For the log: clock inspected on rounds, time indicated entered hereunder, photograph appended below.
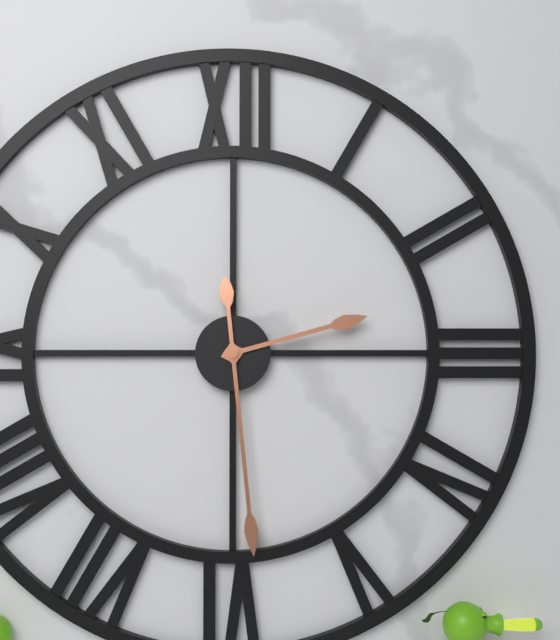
2:29
